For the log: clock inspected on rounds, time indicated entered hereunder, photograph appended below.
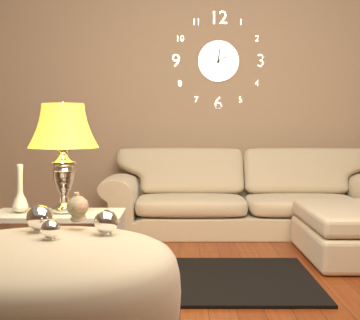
12:10
